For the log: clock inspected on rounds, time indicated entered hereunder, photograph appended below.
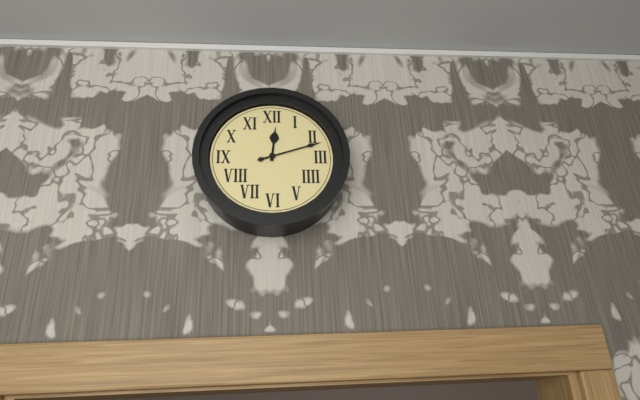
12:12
